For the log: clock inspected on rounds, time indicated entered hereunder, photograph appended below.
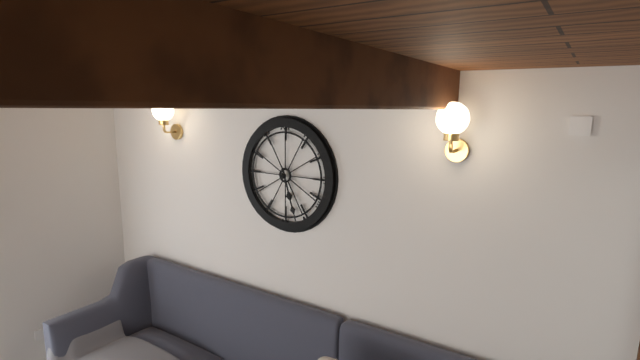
5:27
